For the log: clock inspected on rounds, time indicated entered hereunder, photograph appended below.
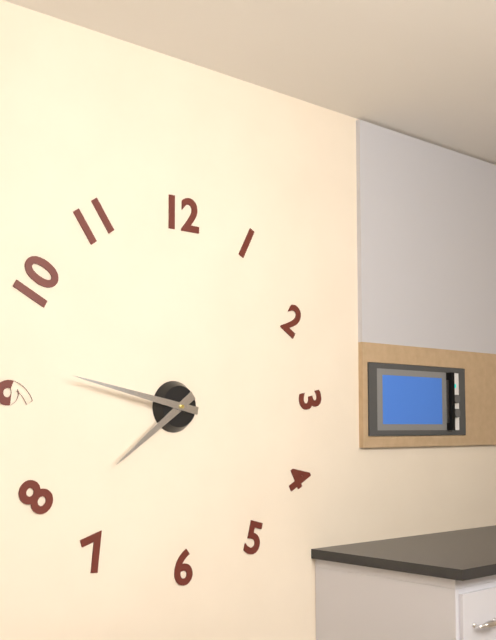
7:47
